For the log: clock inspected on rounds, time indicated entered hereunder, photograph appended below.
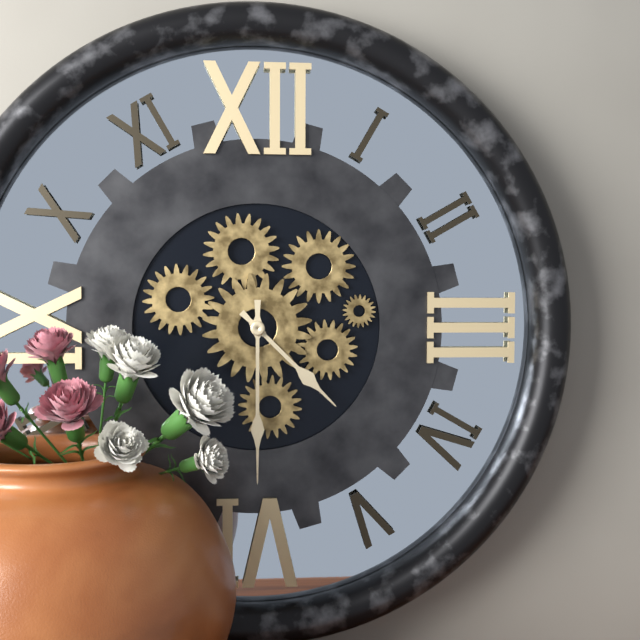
4:30
